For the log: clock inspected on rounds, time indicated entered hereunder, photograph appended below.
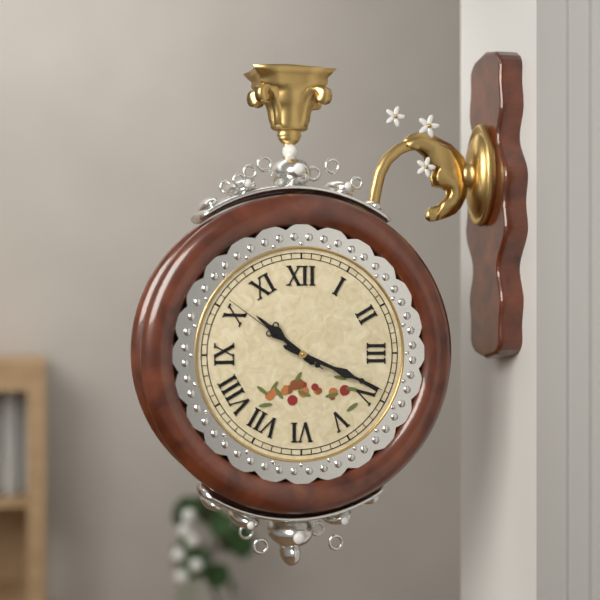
10:19:51
